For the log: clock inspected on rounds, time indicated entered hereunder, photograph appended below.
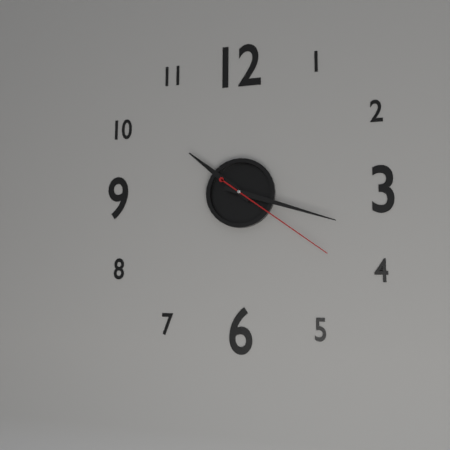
10:18:21
